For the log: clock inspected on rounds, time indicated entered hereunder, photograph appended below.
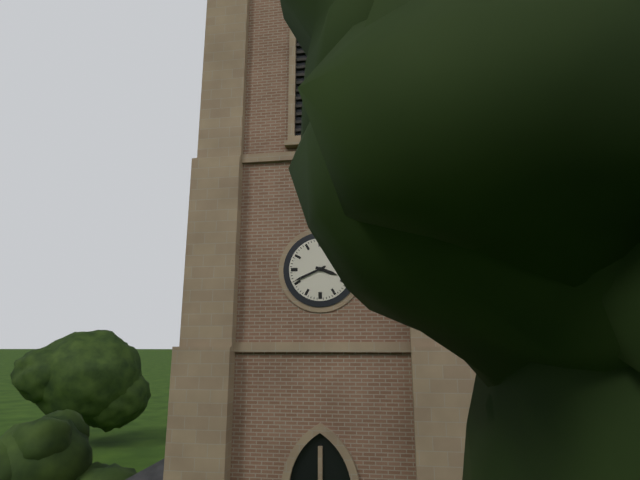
3:41
